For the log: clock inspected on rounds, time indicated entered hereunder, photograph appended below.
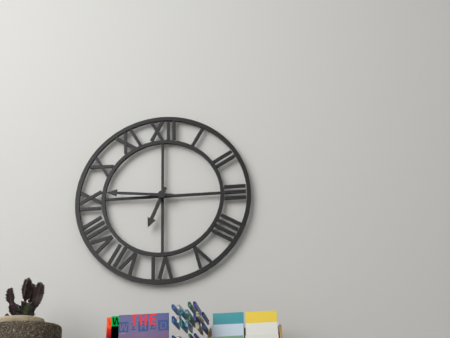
6:46
